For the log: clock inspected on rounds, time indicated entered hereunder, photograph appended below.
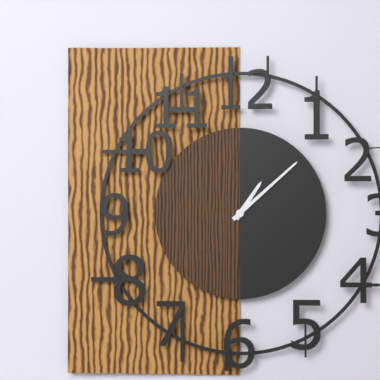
1:08
